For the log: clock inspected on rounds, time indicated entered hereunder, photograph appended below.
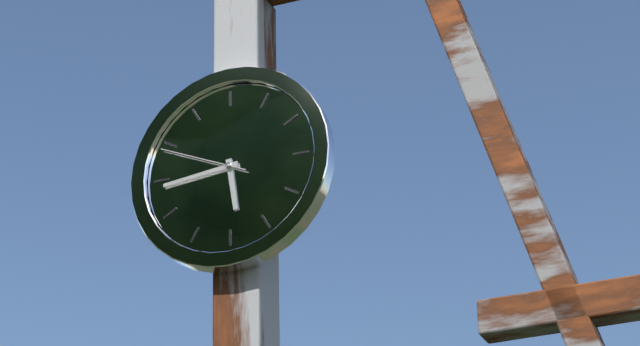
5:44:49
